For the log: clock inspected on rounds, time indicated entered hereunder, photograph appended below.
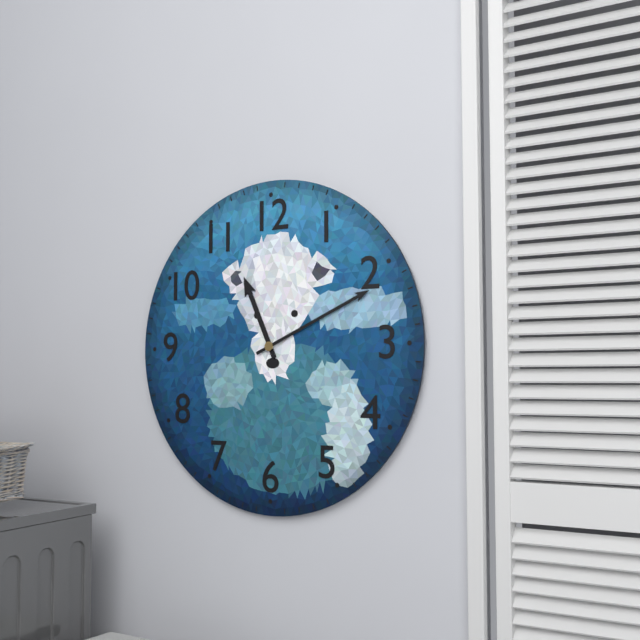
11:11
